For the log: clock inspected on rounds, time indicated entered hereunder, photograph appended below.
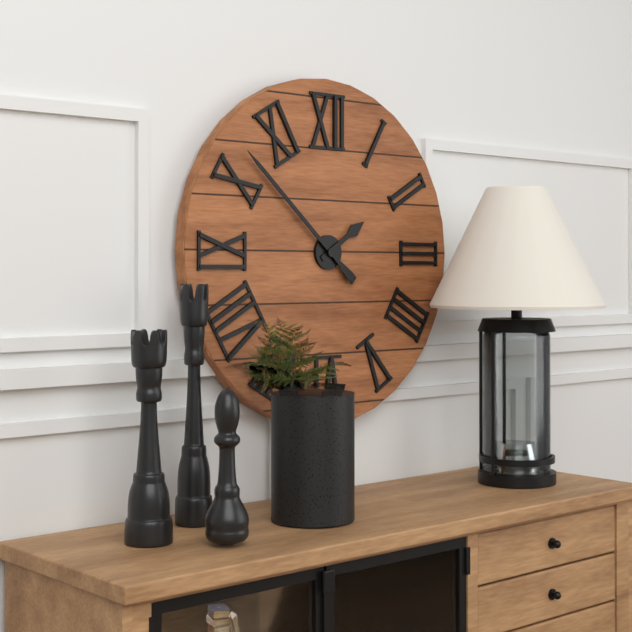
1:52
